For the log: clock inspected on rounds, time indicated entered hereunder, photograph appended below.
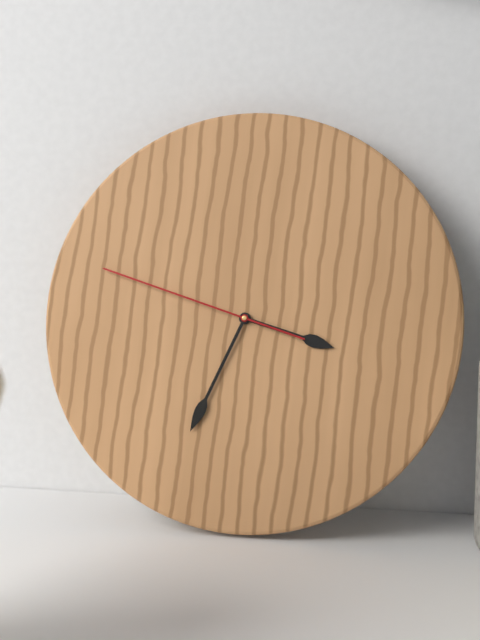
3:34:48
